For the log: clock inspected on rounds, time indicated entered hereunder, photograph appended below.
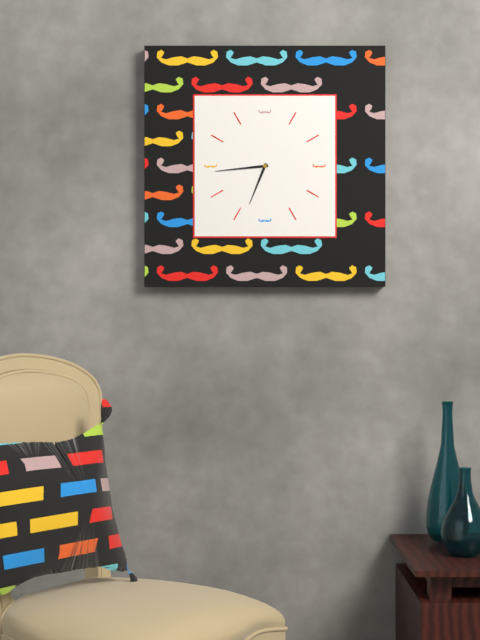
6:44
